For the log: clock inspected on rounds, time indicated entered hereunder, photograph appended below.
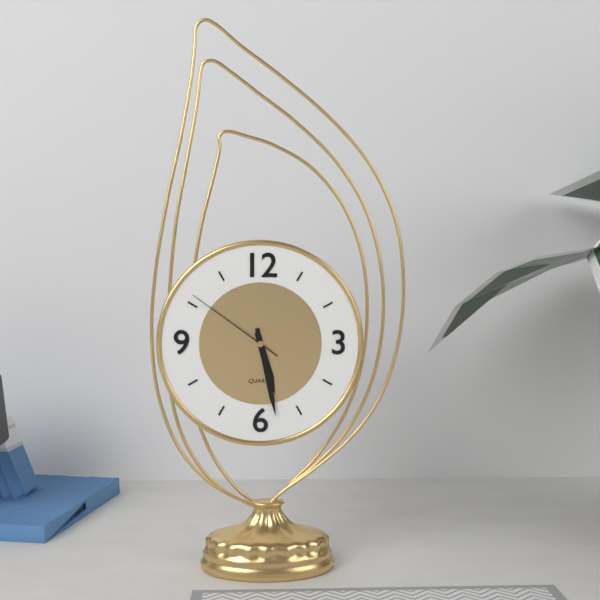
5:28:51
